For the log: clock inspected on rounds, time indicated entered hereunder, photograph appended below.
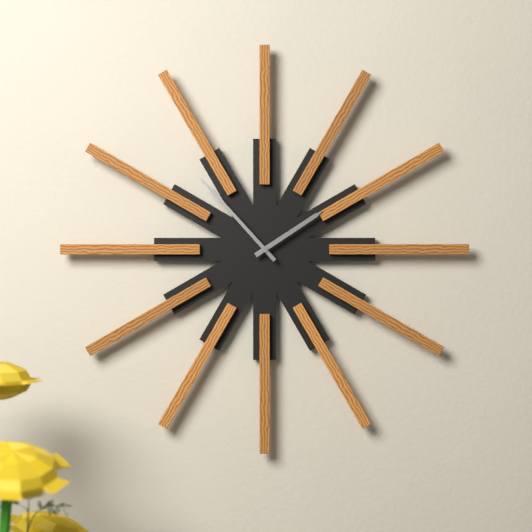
1:53
